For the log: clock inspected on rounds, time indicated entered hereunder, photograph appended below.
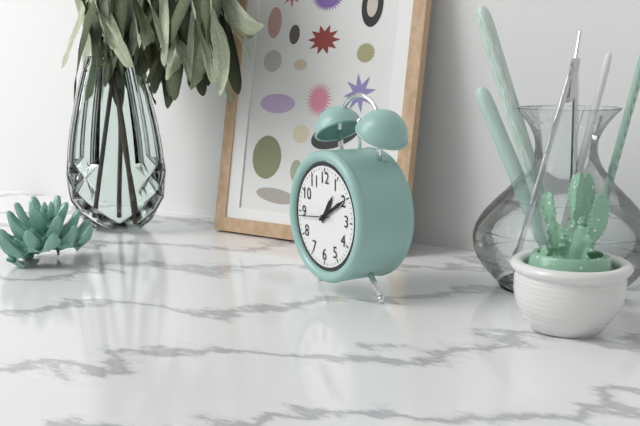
1:10
